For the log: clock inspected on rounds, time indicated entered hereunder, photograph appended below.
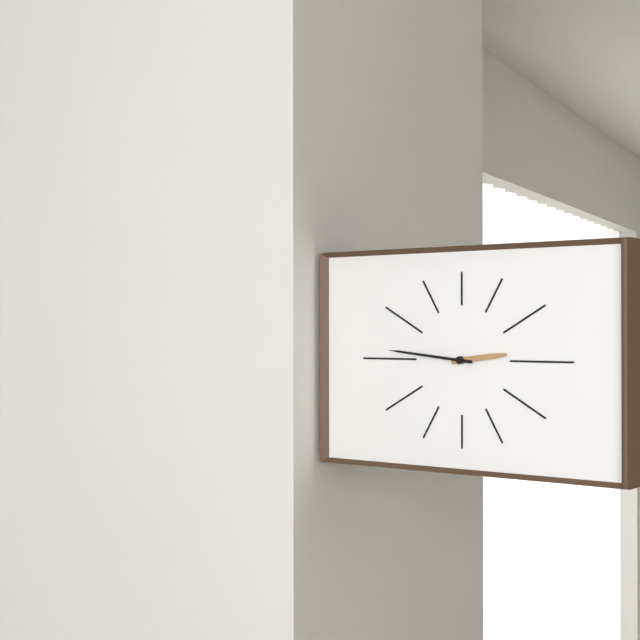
2:46
